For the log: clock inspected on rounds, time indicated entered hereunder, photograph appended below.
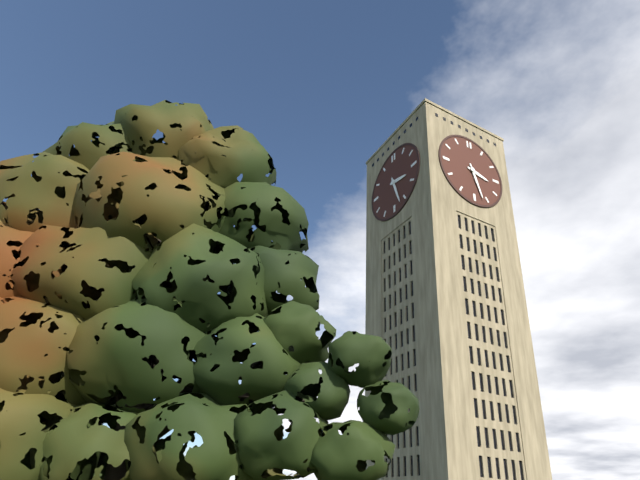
3:27
